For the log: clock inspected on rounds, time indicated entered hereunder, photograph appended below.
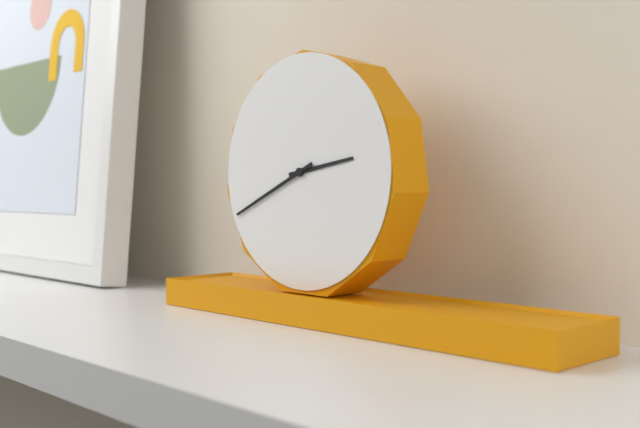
2:41
